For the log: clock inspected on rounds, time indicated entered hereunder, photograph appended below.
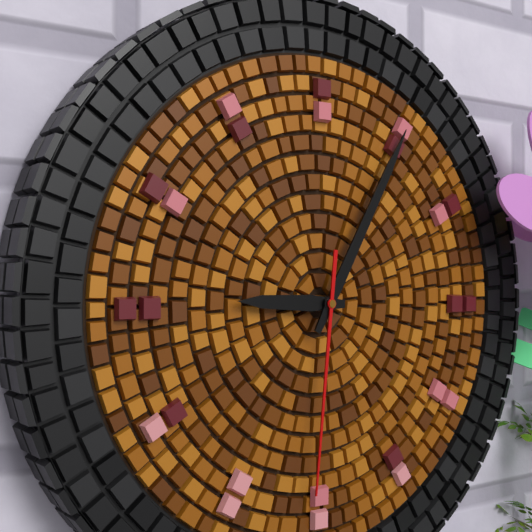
9:05:31
